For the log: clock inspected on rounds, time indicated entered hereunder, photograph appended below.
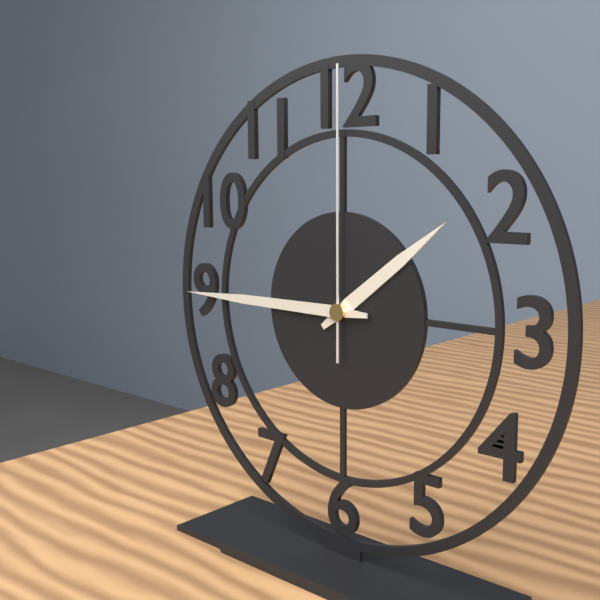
1:45:00
